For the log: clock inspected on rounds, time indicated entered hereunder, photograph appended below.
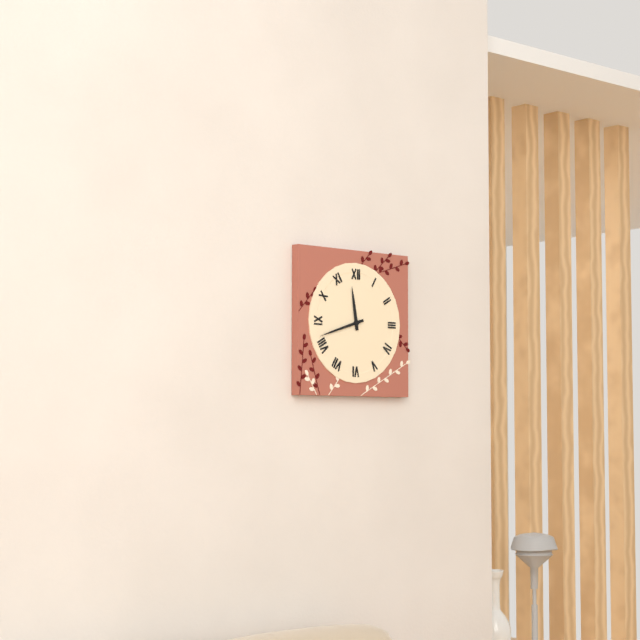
11:42
